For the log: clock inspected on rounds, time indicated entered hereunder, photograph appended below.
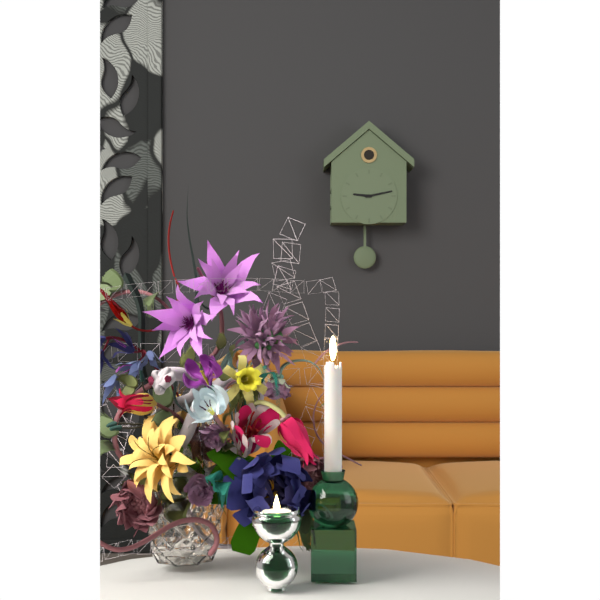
9:13
